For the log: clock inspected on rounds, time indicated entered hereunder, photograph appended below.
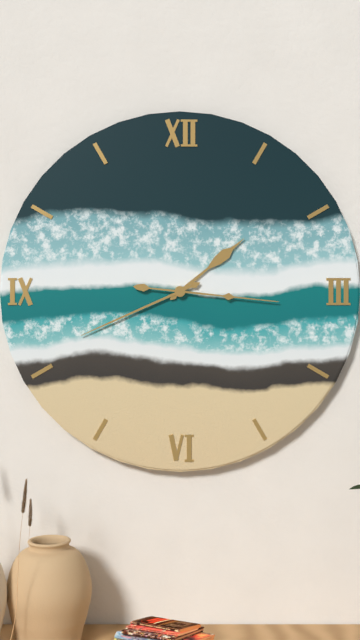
1:41:16
